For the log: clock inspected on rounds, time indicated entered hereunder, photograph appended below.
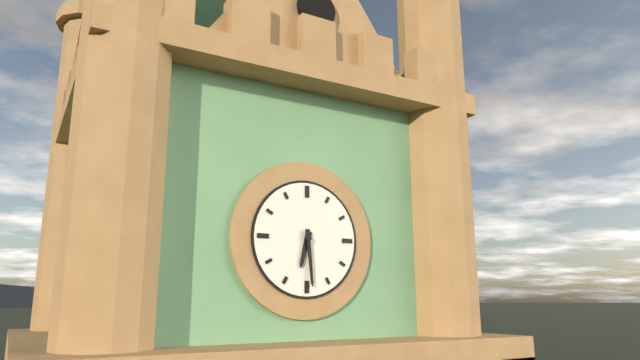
6:29
